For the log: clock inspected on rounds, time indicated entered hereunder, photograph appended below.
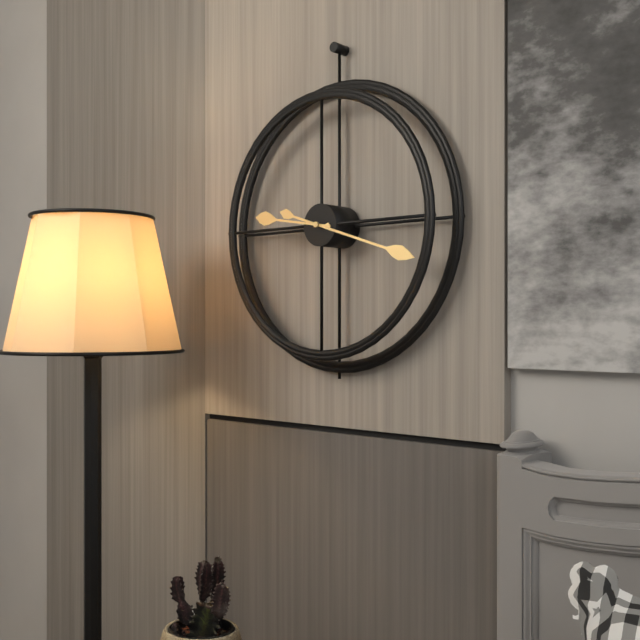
9:18
